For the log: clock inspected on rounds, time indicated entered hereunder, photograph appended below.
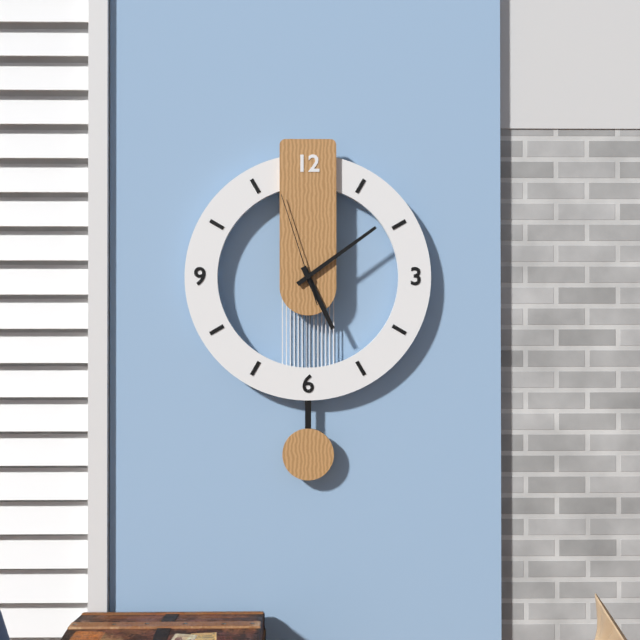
5:09:57
